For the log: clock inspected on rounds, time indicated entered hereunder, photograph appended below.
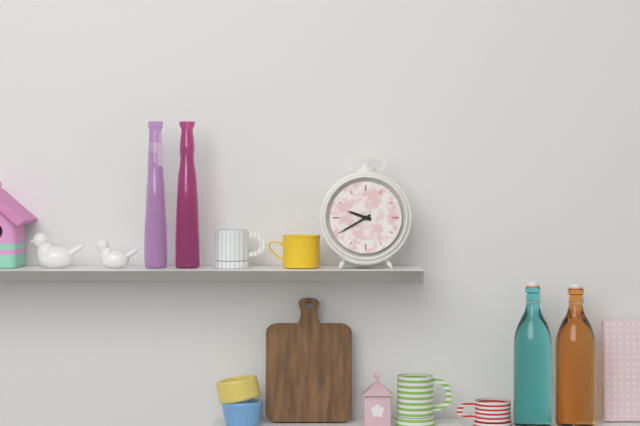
9:40
